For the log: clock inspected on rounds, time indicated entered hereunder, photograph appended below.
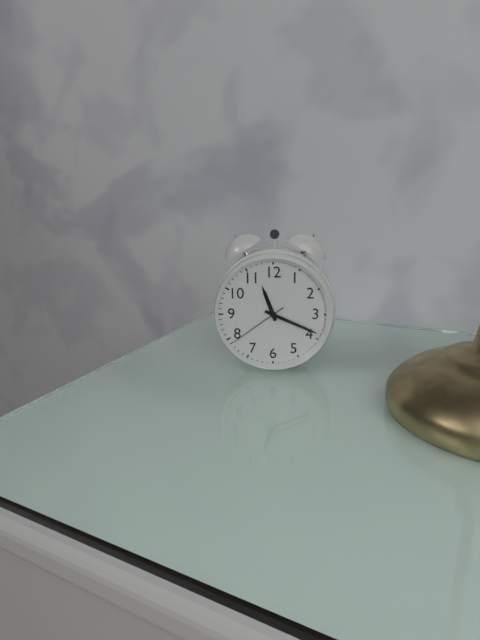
11:19:39
